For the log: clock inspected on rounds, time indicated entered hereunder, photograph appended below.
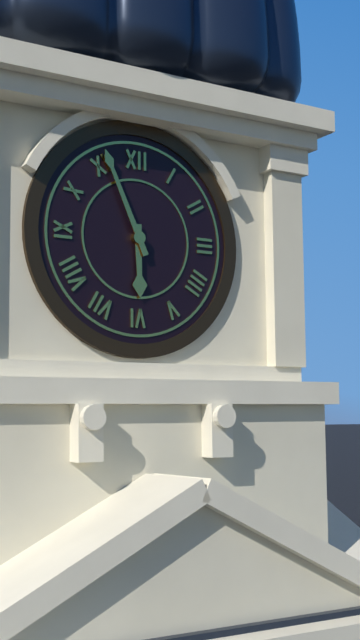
5:56
